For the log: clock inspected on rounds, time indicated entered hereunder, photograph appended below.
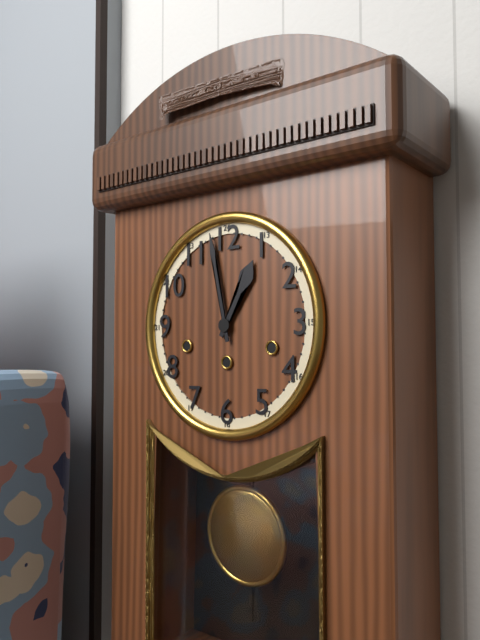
12:58
